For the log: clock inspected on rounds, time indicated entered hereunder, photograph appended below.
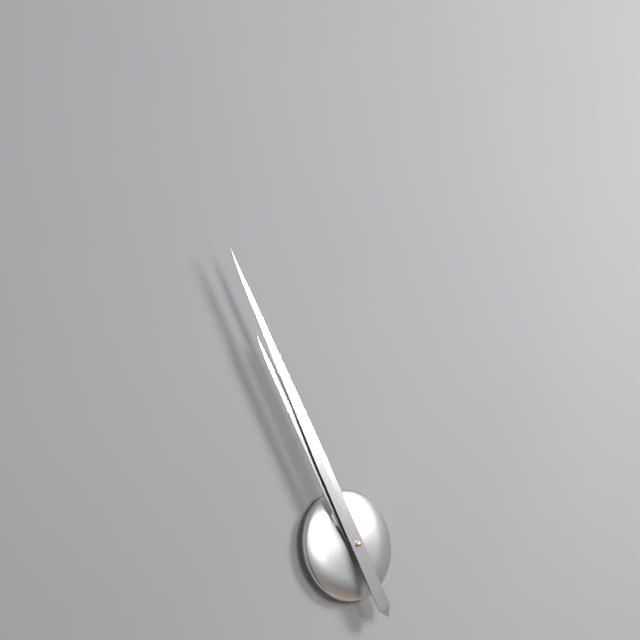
10:55
